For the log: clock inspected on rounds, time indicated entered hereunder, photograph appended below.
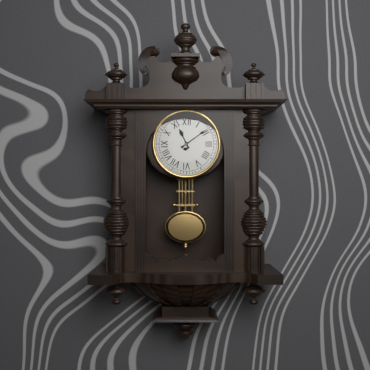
11:09
